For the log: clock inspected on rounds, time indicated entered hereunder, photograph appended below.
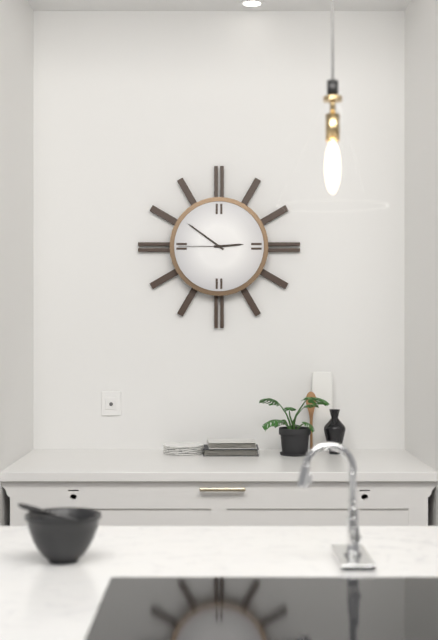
2:51:45
